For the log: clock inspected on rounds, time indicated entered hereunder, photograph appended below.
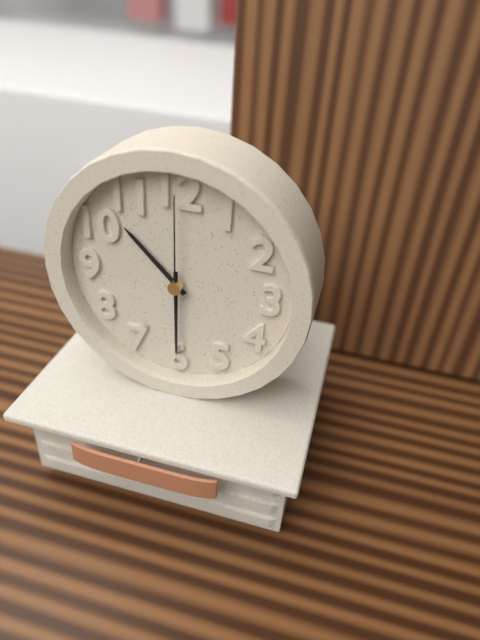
10:30:00
